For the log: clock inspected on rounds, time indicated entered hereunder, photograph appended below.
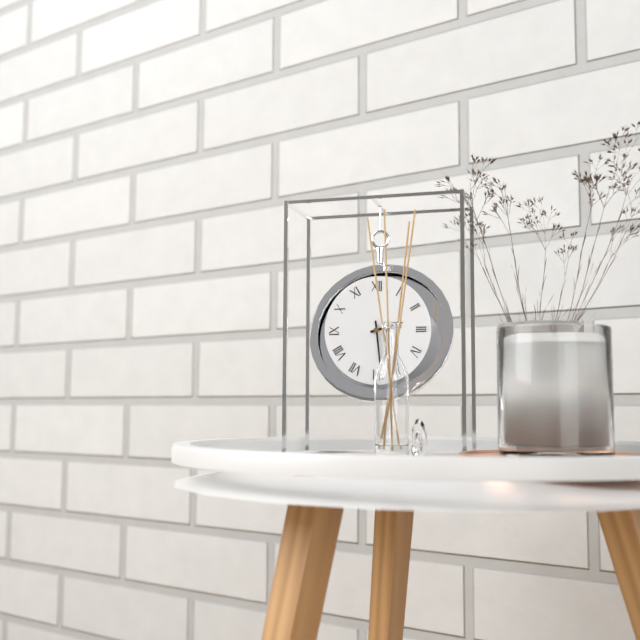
2:29
